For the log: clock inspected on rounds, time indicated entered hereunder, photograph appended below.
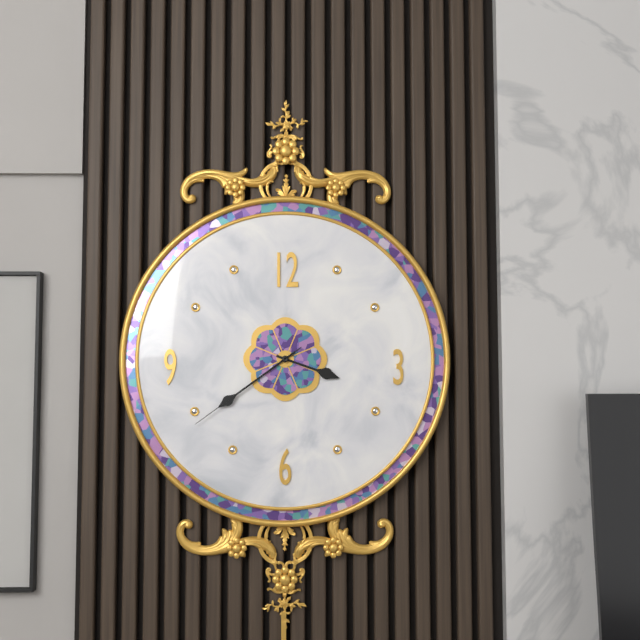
3:39:39
